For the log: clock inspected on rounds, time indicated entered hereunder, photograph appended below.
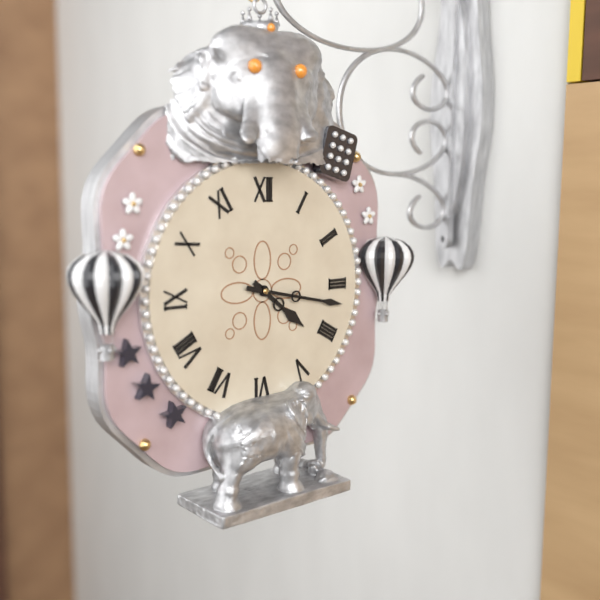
4:17
